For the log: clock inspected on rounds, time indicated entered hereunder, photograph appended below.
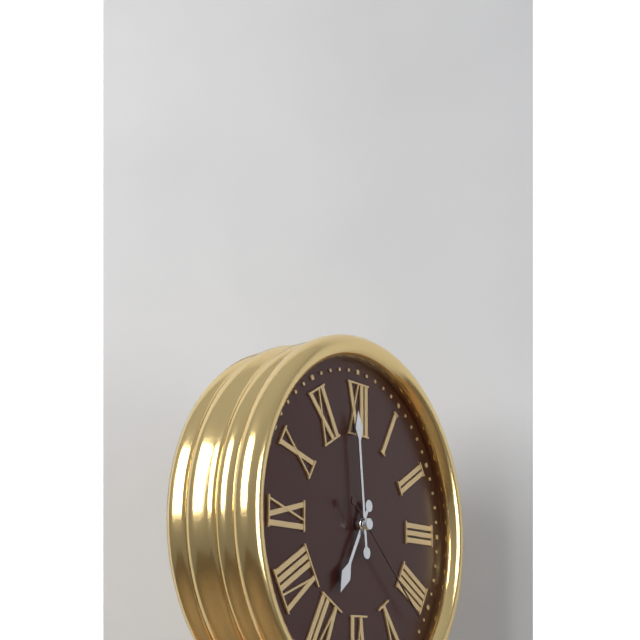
6:59:22
